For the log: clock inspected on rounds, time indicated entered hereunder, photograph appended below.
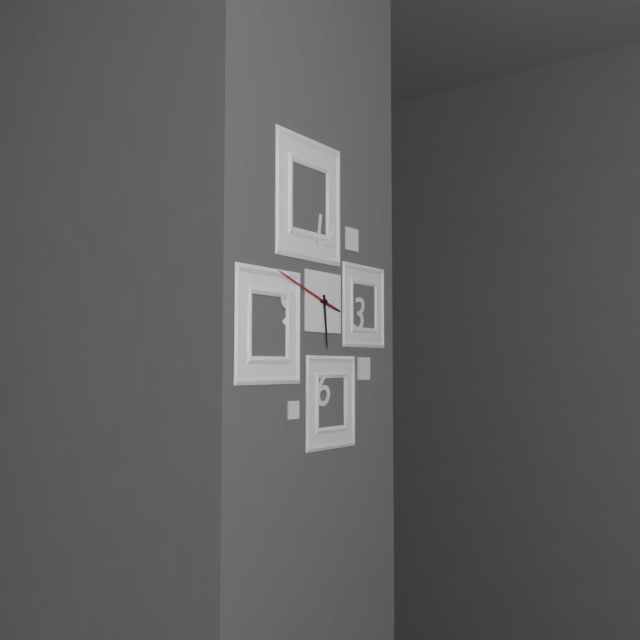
3:29:48
